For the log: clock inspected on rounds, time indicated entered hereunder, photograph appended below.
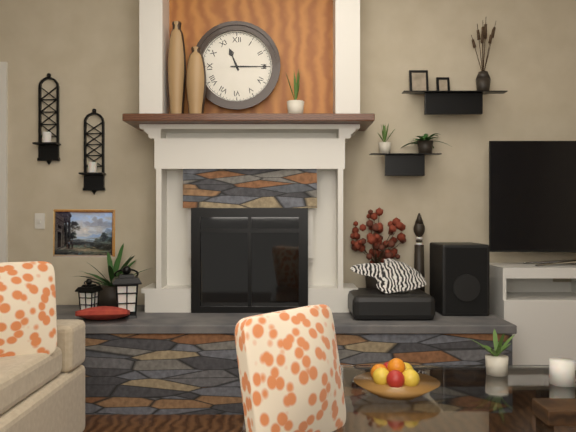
11:15
